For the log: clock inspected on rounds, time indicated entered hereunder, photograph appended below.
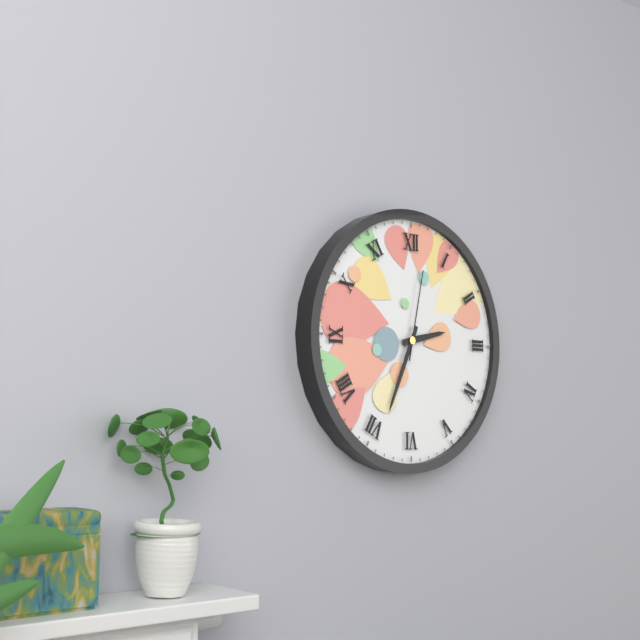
2:34:02
